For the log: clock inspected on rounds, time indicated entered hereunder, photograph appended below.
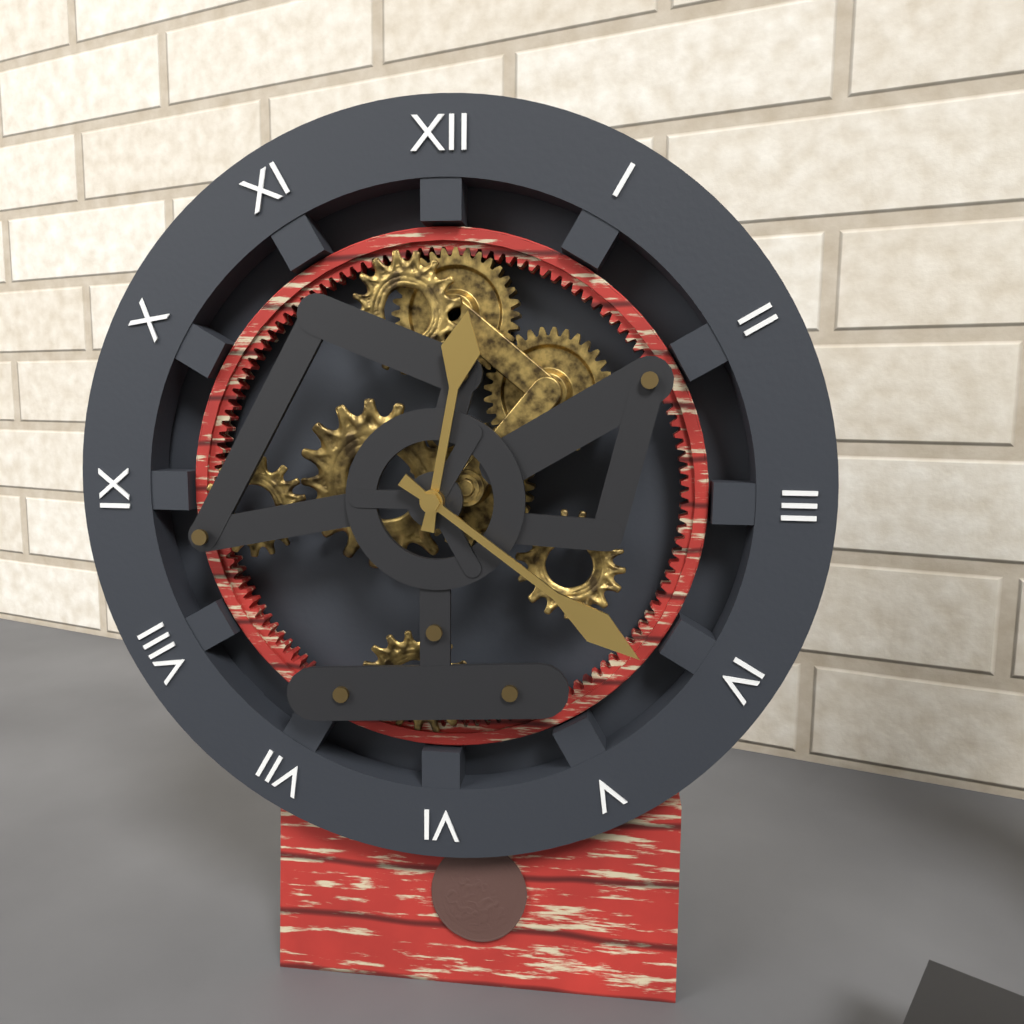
12:21
